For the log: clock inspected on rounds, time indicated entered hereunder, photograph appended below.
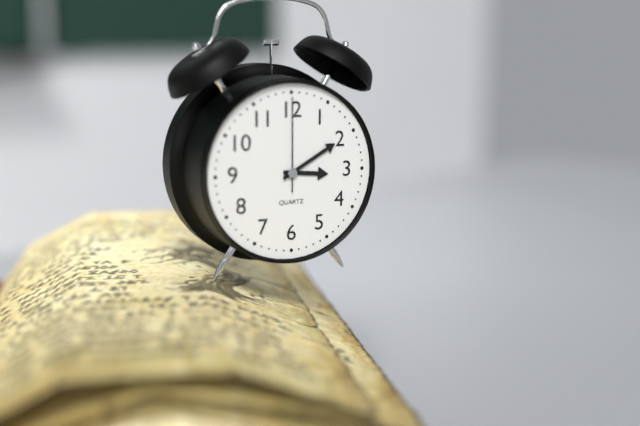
3:10:00
